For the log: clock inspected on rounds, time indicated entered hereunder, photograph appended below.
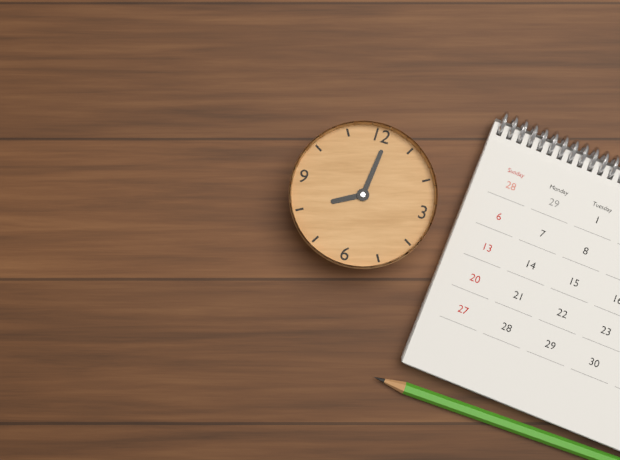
8:01
